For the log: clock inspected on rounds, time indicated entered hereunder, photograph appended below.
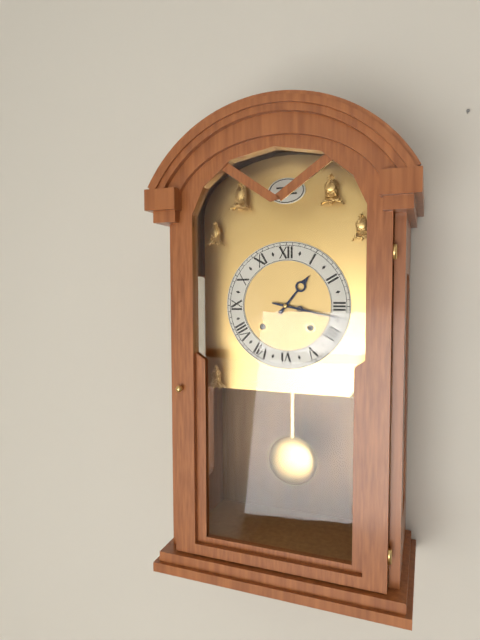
1:17
